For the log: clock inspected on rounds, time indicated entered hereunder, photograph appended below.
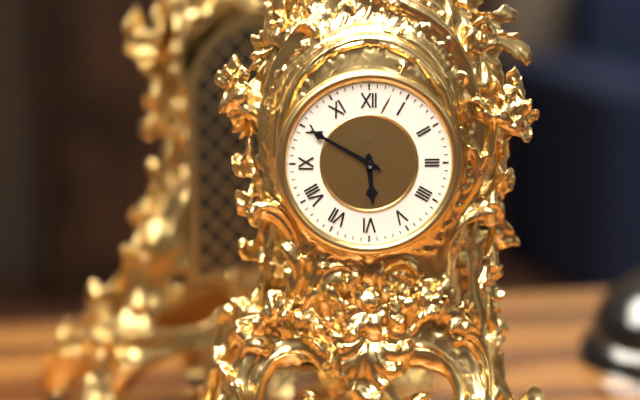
5:50
